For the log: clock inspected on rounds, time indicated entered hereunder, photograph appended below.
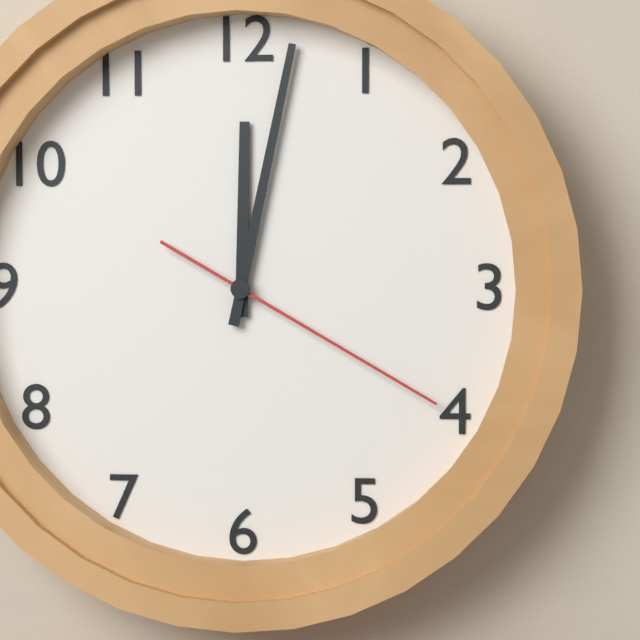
12:02:20
